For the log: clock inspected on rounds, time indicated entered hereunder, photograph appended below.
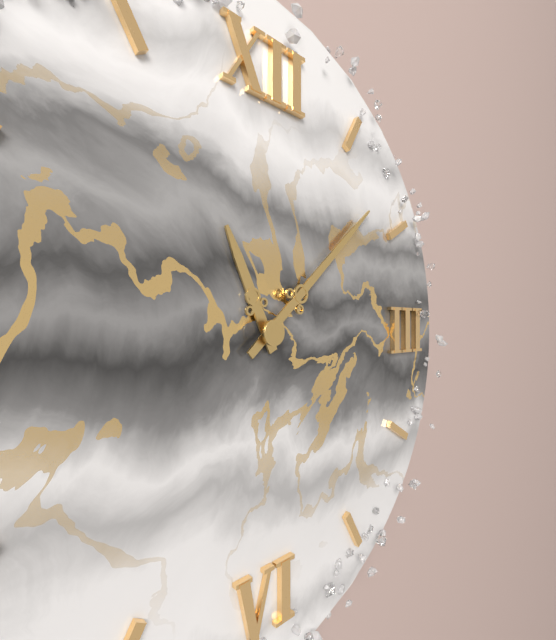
11:08
